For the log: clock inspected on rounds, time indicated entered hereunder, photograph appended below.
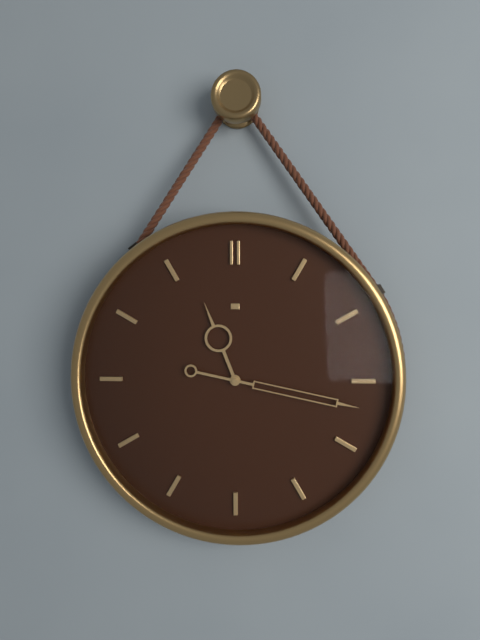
11:17
